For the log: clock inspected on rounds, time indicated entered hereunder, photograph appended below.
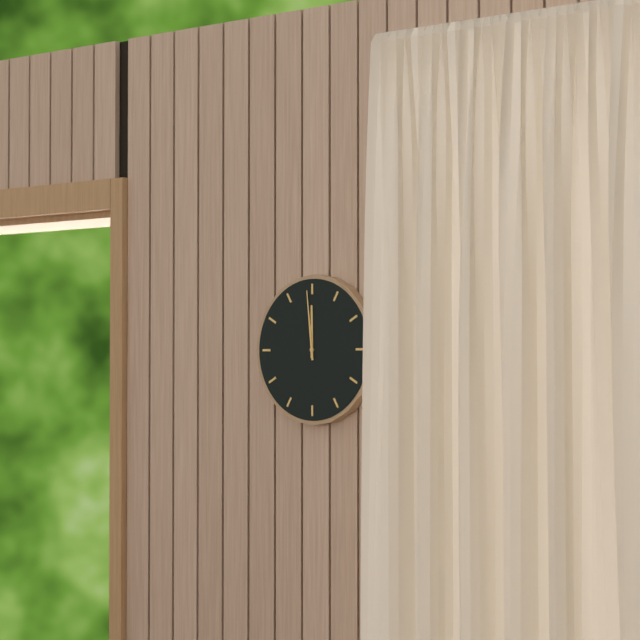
11:59
